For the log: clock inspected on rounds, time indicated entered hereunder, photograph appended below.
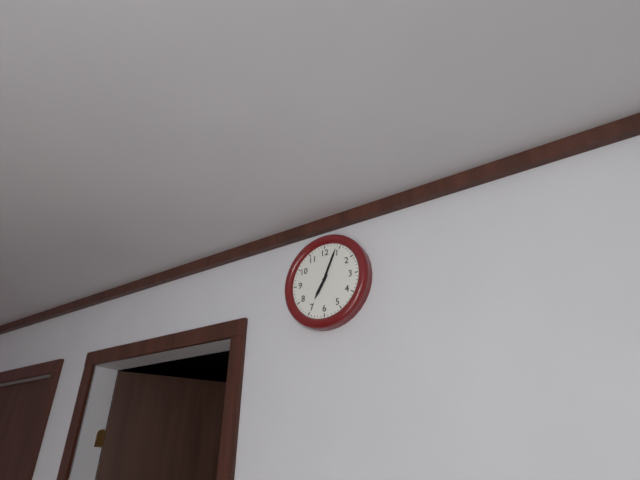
7:04
